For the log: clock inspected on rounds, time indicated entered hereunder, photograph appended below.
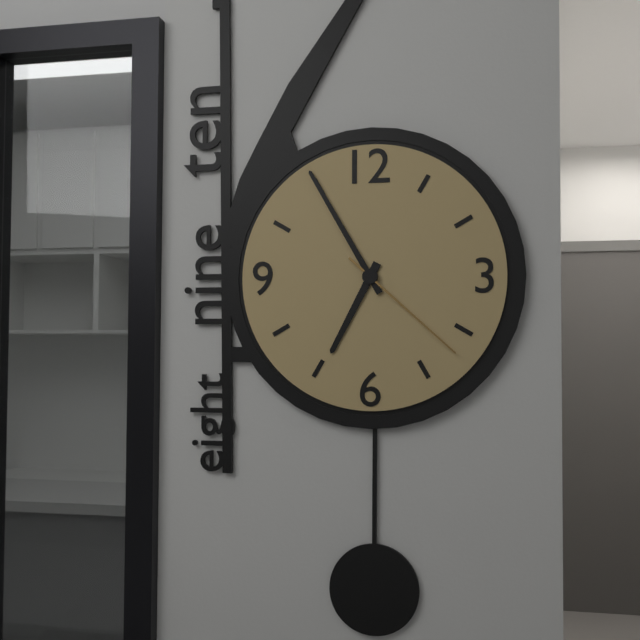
6:55:22
